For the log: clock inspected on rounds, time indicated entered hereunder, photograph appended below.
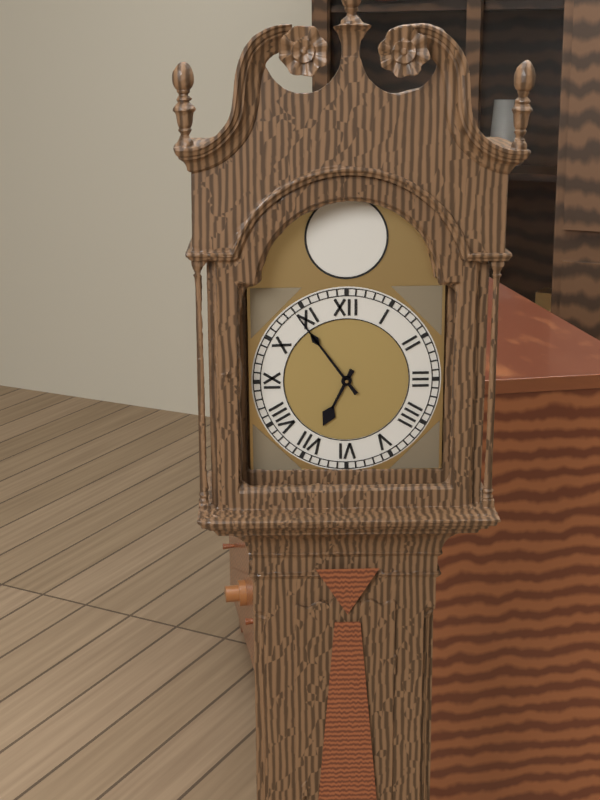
6:54
